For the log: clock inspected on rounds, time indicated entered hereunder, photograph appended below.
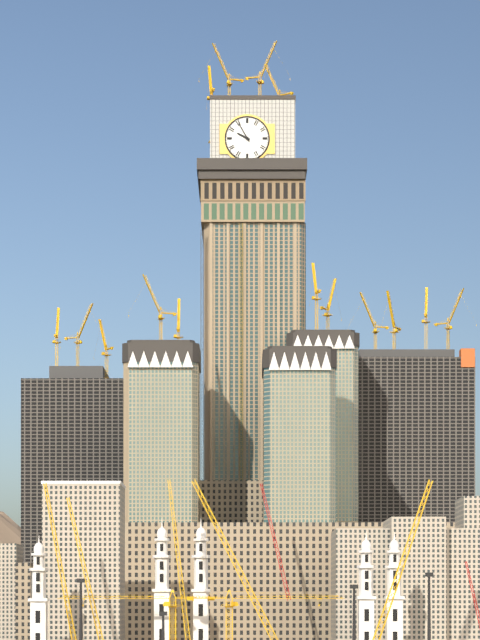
9:55
